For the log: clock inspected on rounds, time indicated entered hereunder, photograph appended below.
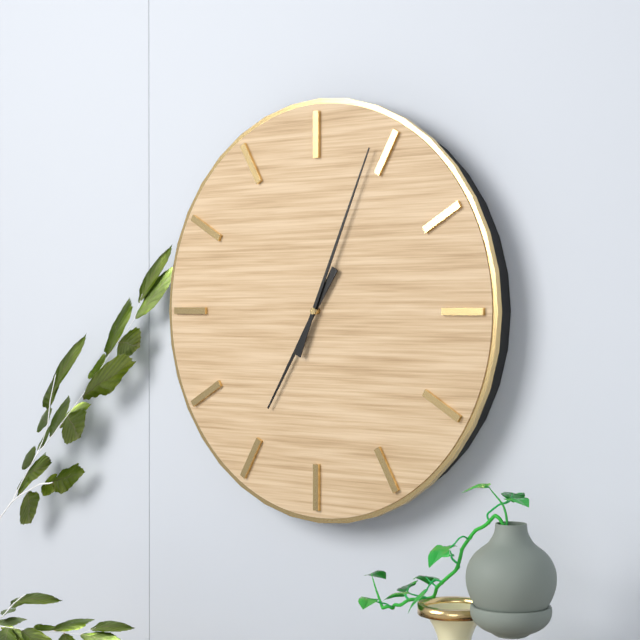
7:04
